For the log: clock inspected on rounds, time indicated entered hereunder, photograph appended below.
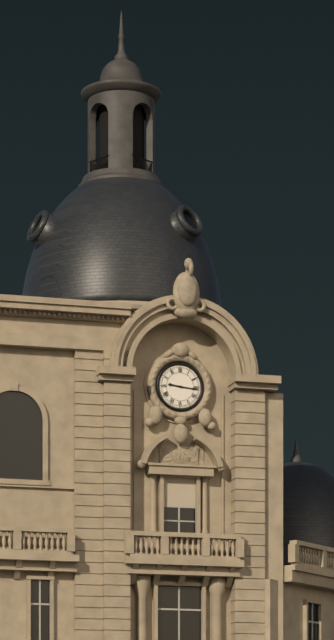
9:16
